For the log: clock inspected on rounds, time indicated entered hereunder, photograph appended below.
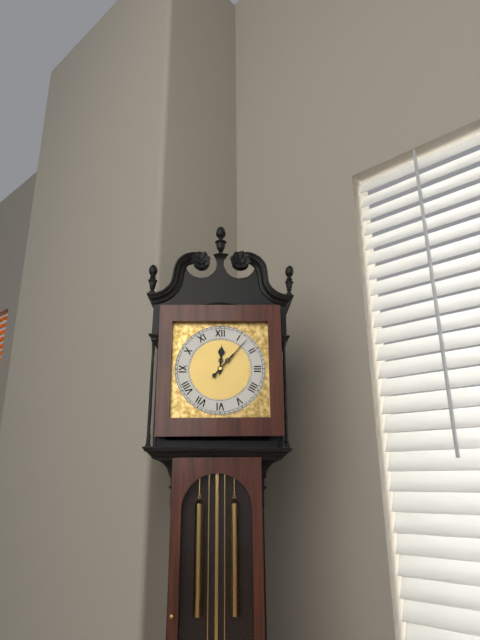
12:07
